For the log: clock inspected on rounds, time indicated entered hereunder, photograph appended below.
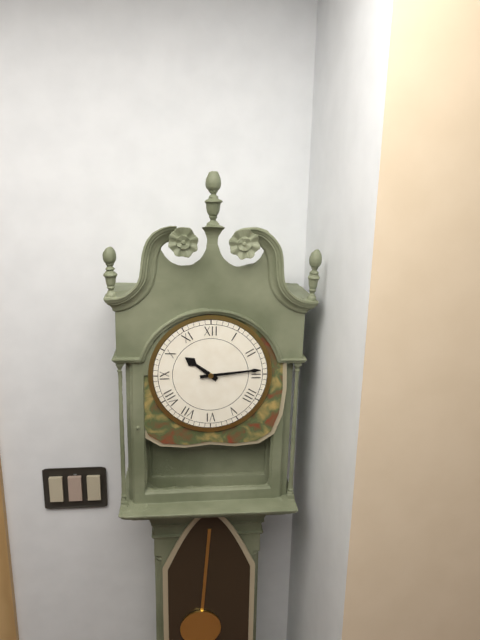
10:14
